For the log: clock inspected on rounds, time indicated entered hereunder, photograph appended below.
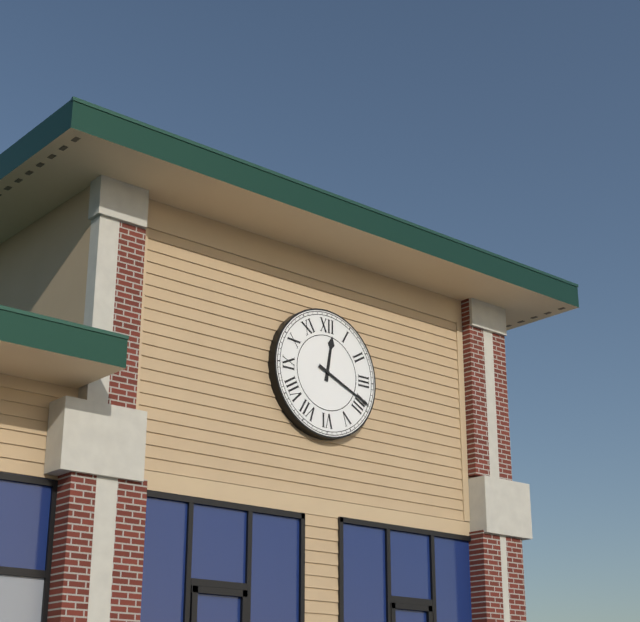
12:19
